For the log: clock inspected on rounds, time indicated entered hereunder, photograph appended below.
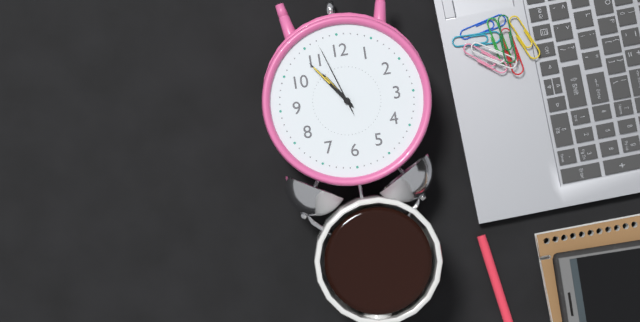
10:54:57
